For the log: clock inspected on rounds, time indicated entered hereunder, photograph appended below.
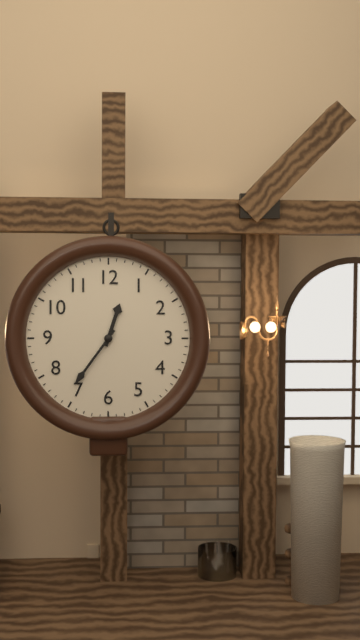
12:36
